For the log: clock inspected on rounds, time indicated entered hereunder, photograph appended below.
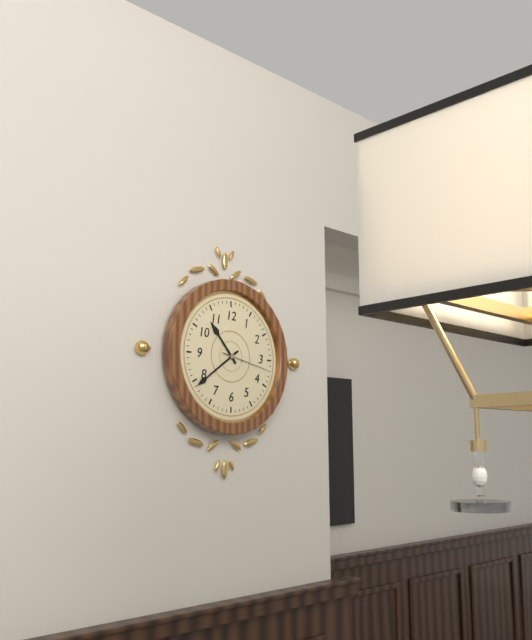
10:39
